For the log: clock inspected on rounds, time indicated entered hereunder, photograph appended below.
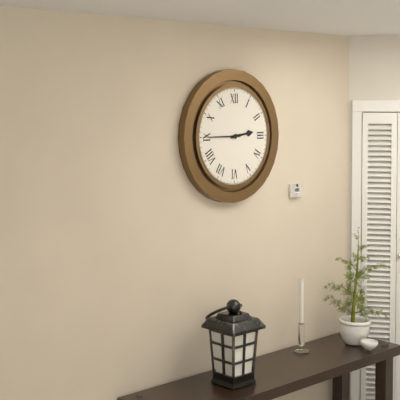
2:45
